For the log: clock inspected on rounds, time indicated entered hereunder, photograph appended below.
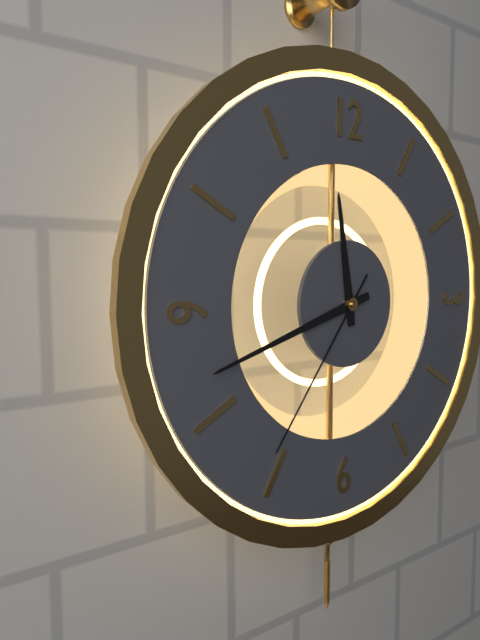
11:42:36
